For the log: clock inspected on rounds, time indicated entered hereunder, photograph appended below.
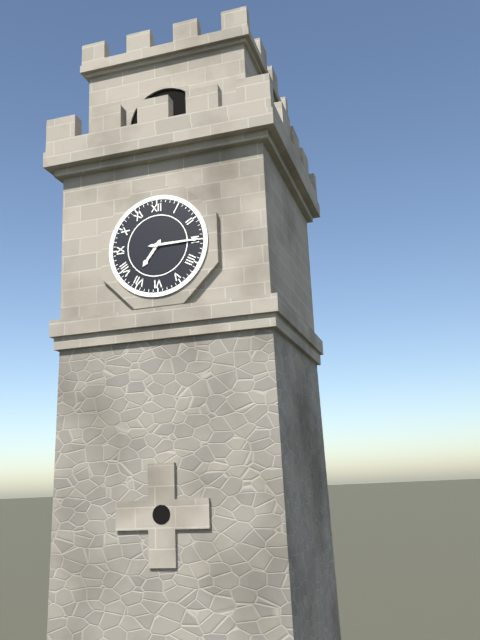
7:15
